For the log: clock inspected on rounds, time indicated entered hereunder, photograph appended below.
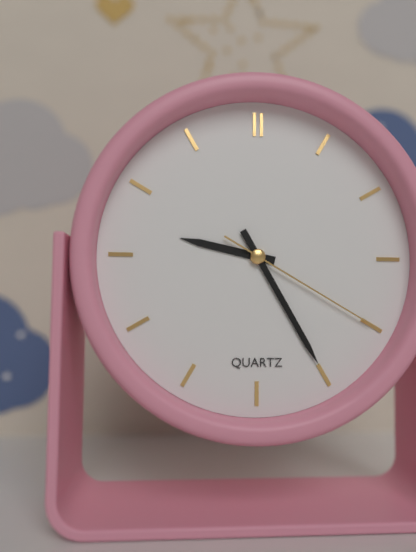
9:25:20
